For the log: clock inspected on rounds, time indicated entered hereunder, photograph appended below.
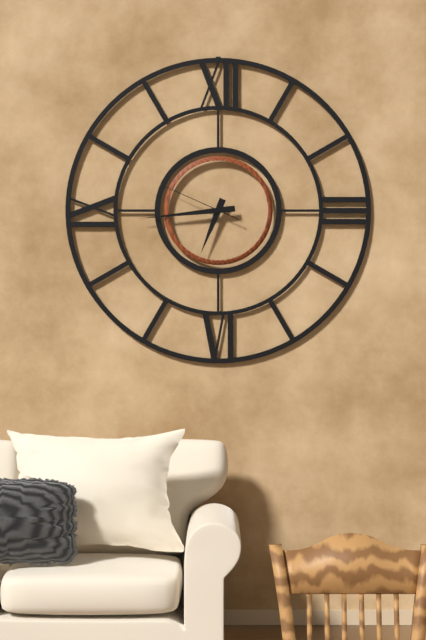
6:44:49
